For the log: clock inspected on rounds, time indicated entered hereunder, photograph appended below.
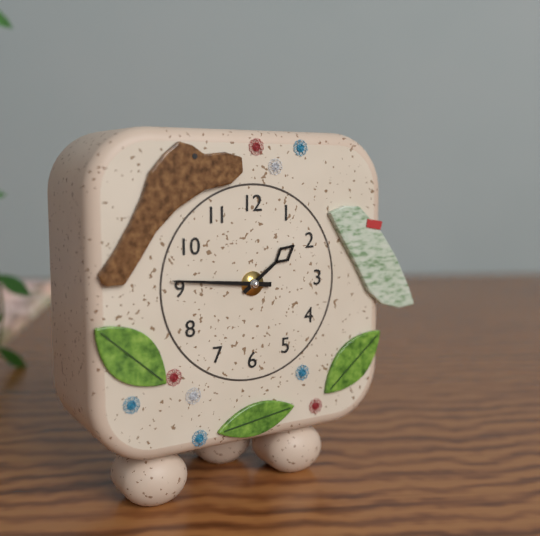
1:46
